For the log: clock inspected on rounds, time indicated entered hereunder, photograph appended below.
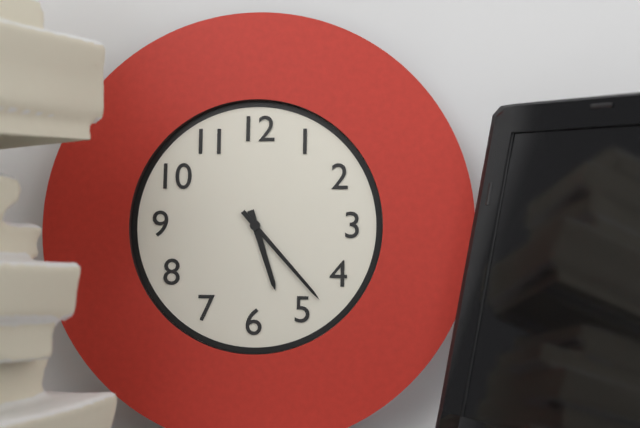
5:23
